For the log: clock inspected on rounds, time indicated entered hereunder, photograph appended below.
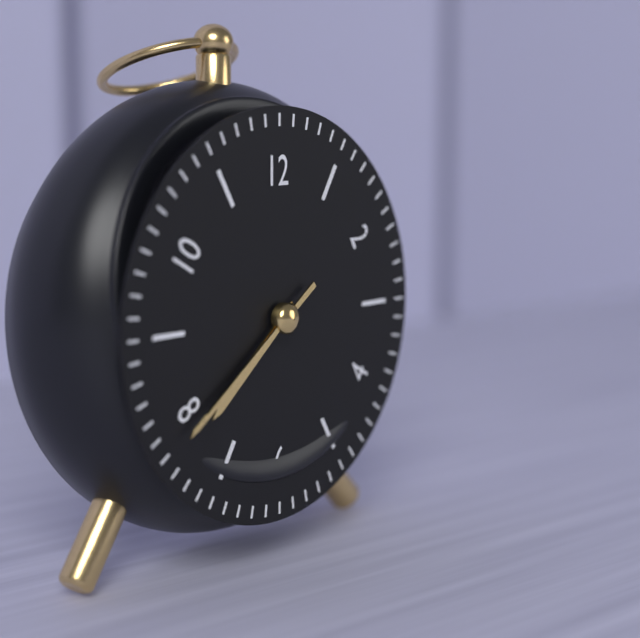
7:39
